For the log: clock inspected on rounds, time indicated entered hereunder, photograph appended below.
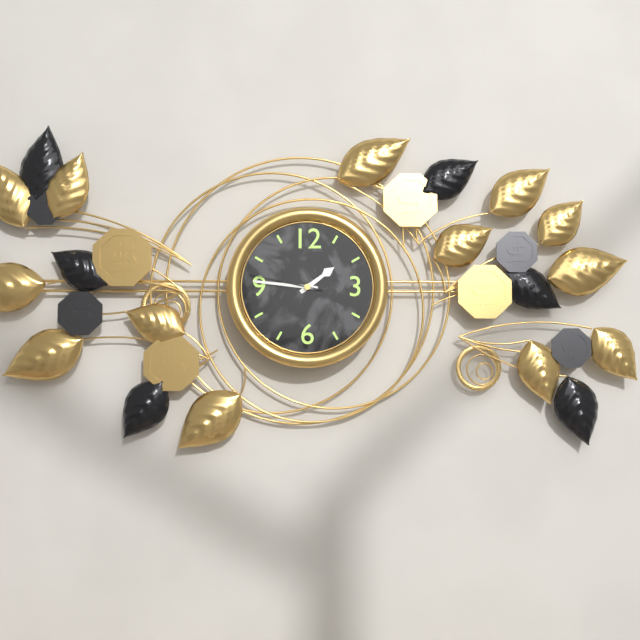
1:46:47
